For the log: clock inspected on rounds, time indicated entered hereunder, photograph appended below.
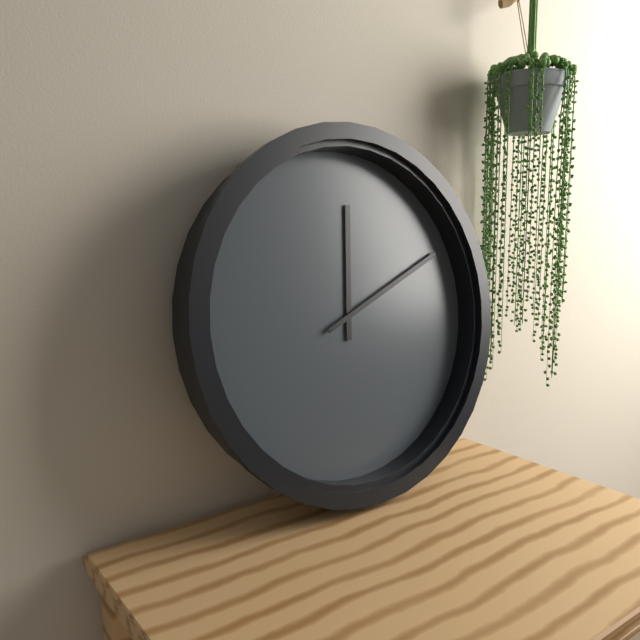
12:11
